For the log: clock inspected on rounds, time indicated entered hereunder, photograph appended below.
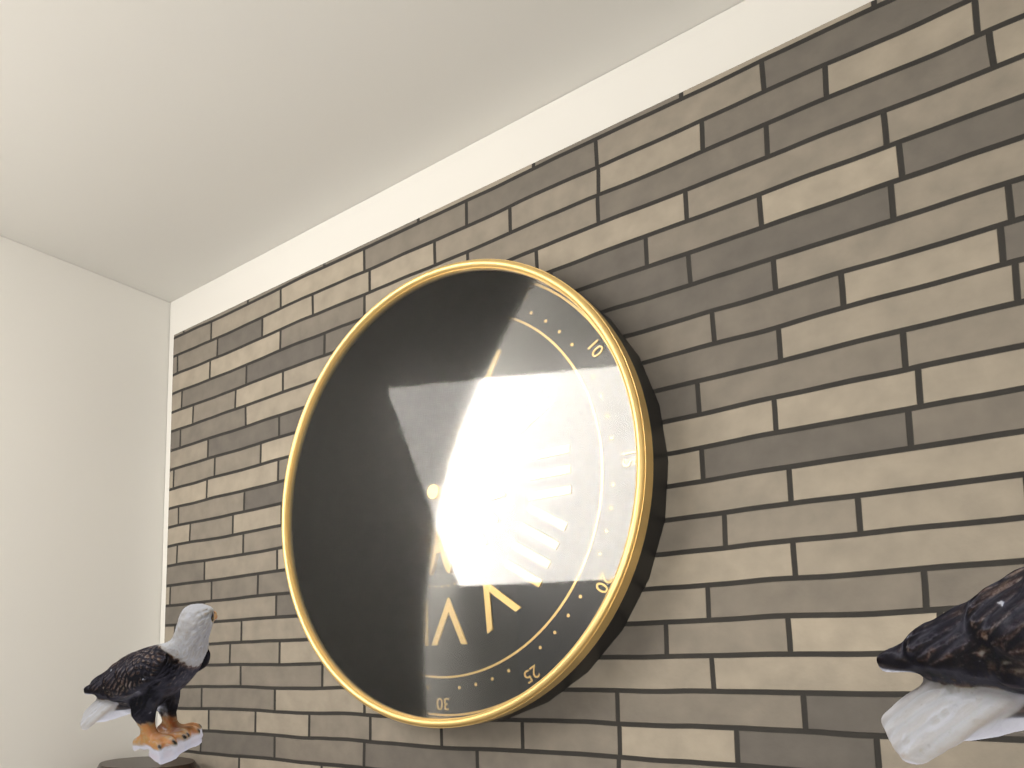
12:45
